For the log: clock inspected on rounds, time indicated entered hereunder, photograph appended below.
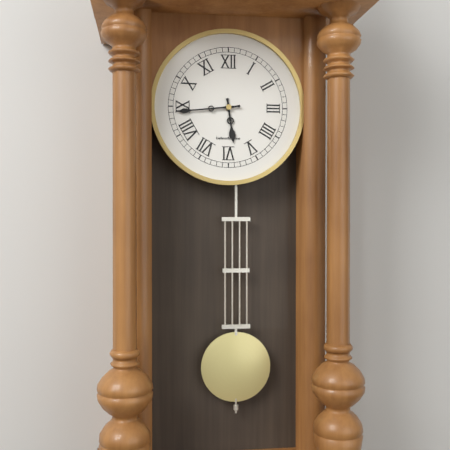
5:44
